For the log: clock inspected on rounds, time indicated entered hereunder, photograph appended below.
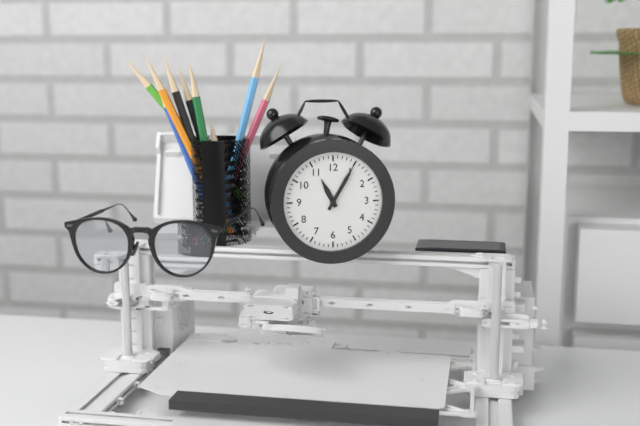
11:05
